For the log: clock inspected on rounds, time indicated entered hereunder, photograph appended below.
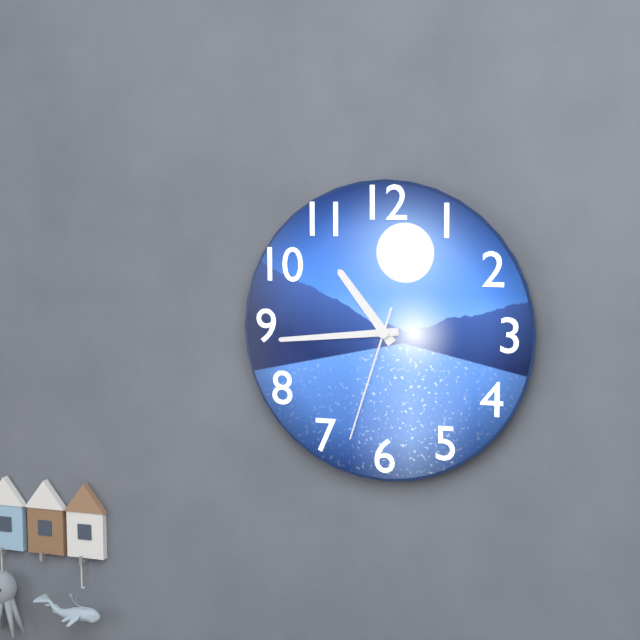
10:44:33
